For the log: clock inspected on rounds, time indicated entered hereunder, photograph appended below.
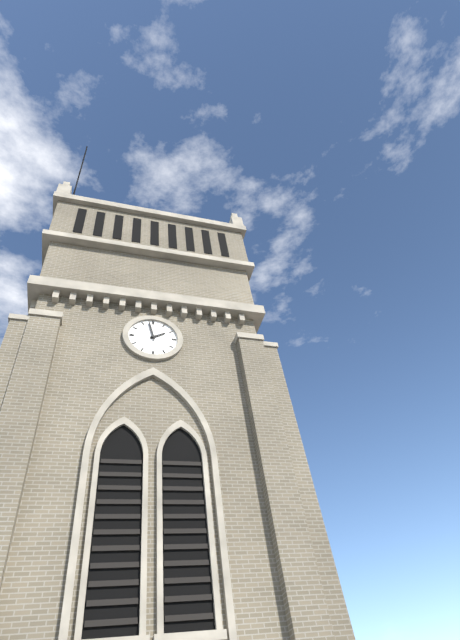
1:58
